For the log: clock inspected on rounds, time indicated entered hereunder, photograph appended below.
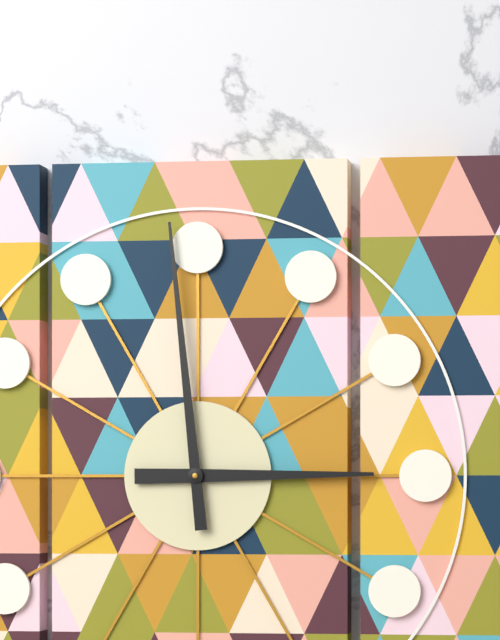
2:59
